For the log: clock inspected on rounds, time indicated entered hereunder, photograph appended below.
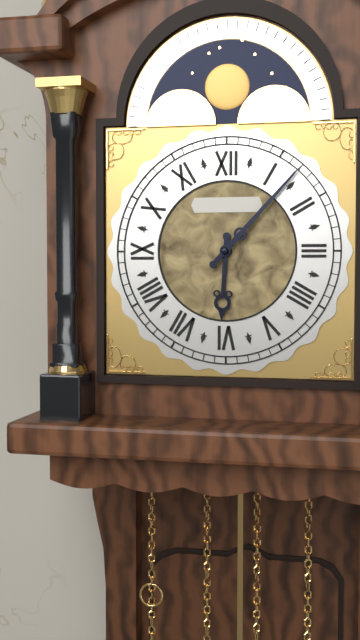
6:07
